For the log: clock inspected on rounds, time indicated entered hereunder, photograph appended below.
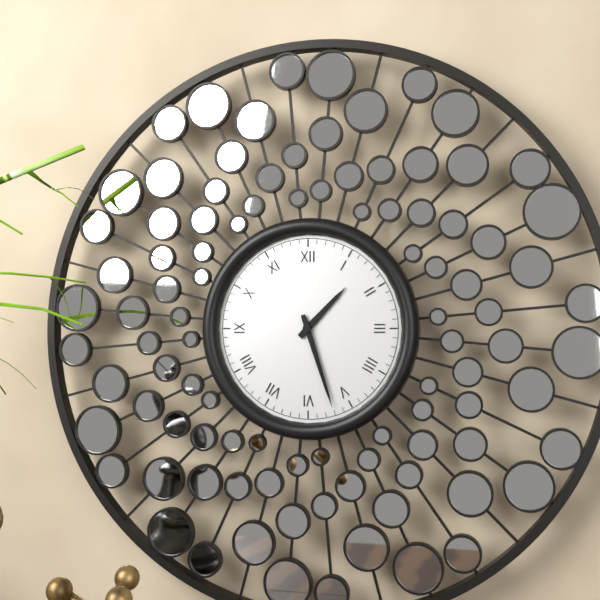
1:27
